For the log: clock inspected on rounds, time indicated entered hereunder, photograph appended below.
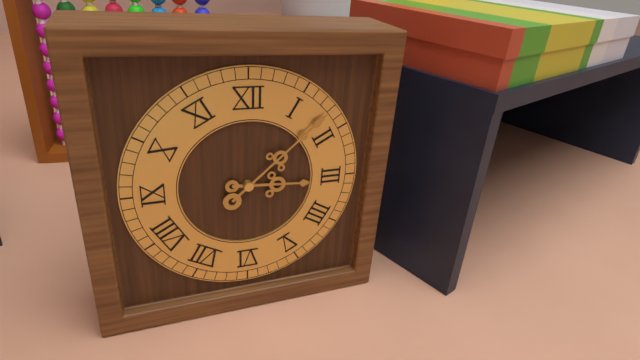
3:08
